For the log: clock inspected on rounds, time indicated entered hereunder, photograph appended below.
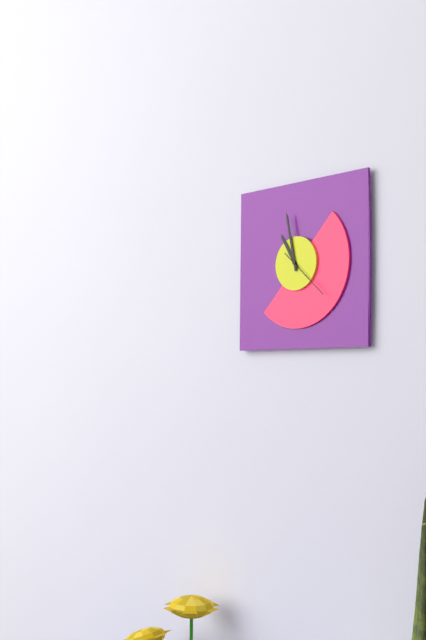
10:58:22
